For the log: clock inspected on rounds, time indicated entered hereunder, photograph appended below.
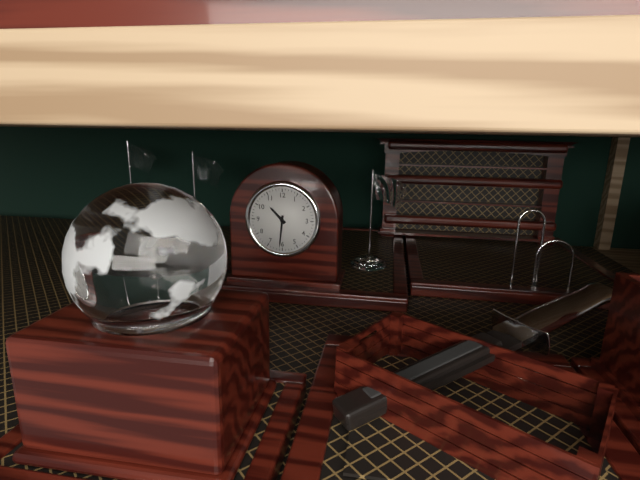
10:31
